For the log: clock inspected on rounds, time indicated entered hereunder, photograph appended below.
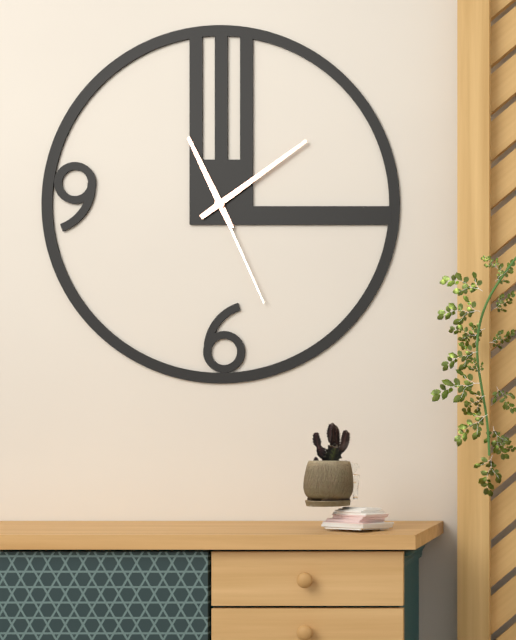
11:09:26
